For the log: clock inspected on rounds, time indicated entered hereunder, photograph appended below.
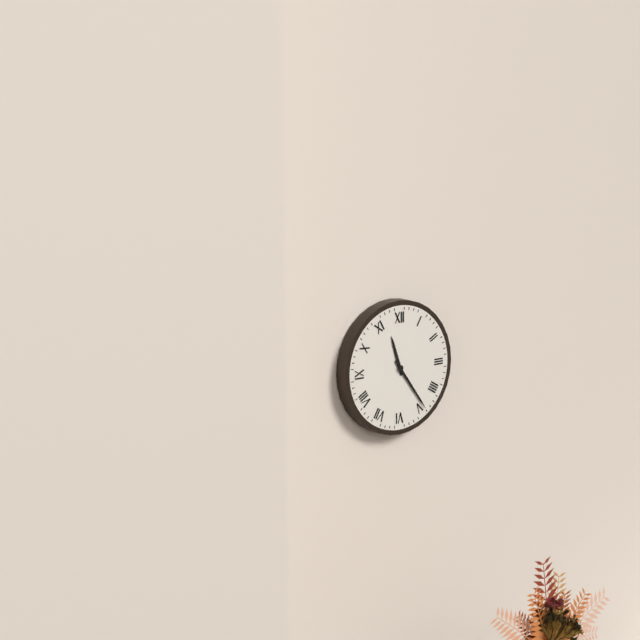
11:24
